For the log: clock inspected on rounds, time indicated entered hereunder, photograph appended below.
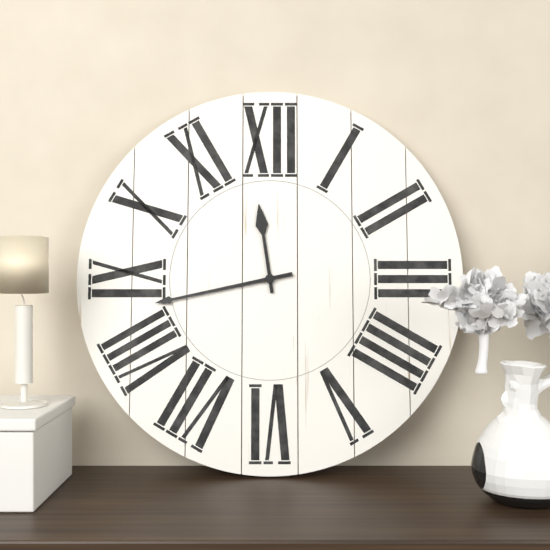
11:43
